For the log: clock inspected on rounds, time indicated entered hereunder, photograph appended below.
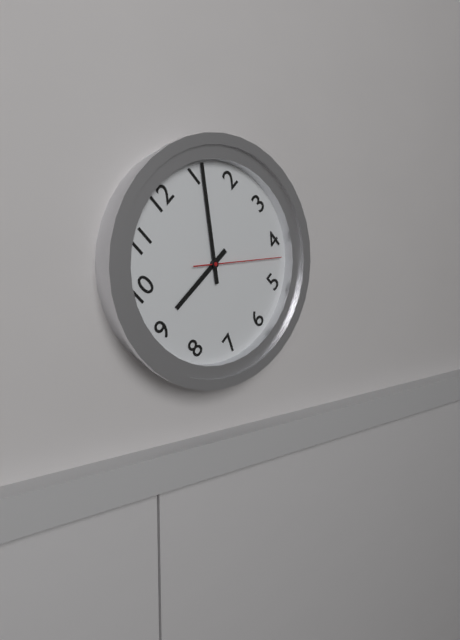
9:06:22
